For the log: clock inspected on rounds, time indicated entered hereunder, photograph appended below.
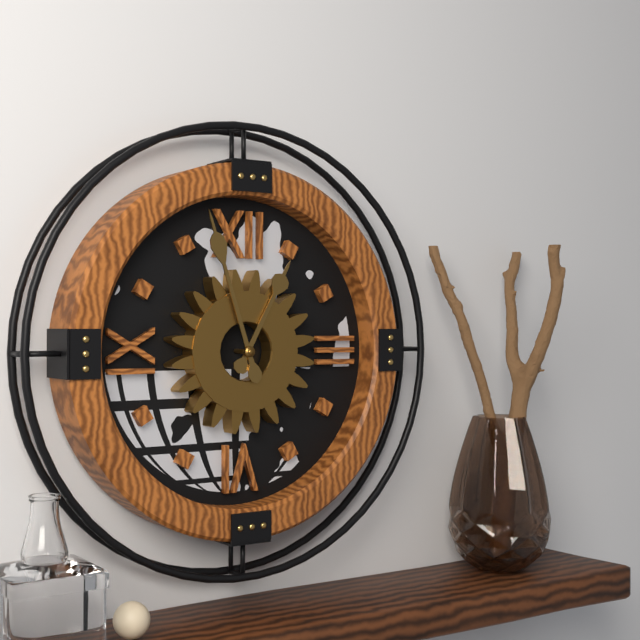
12:57
